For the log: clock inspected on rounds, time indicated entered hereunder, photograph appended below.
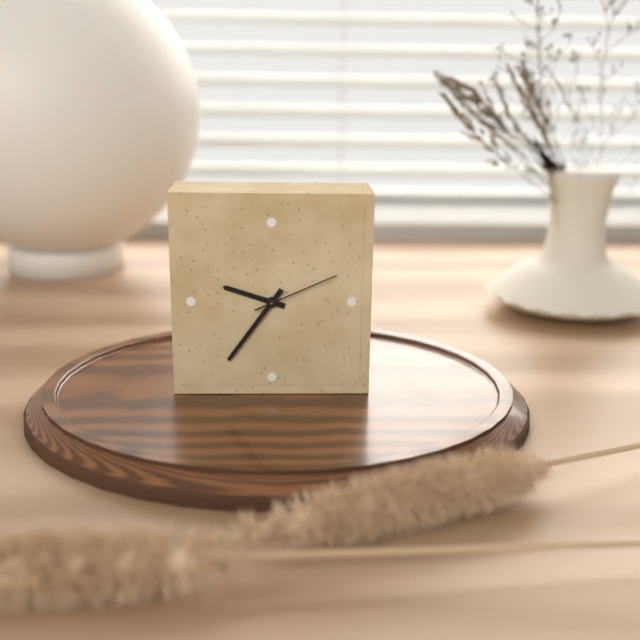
9:36:11
